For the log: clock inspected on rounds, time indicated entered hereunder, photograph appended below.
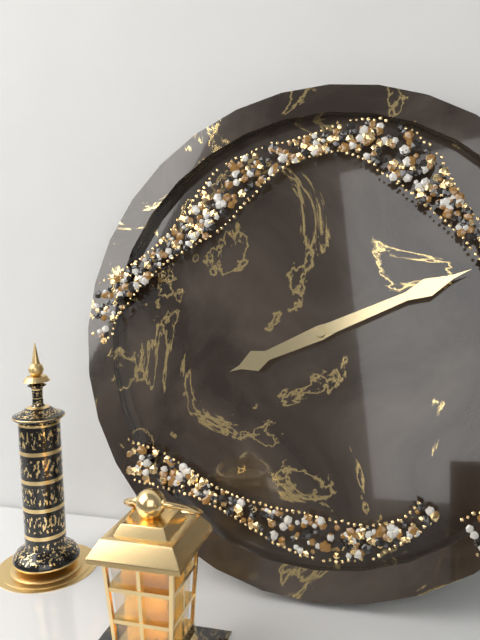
8:11
